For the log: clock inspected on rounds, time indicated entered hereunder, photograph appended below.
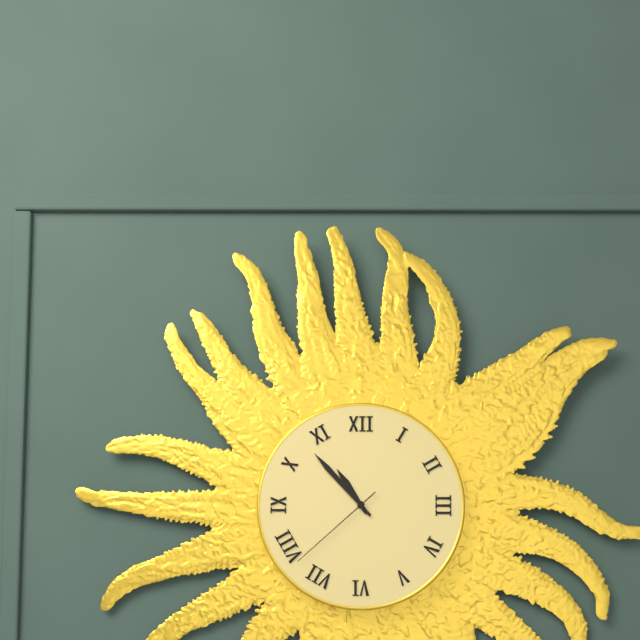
10:53:38
